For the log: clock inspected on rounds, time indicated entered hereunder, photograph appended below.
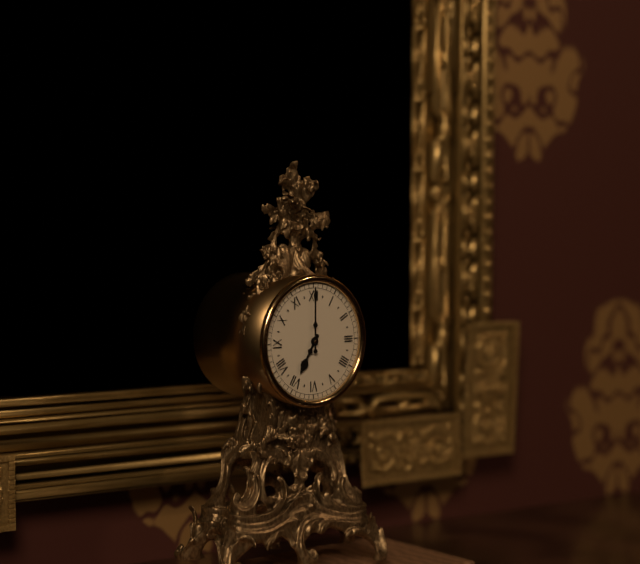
7:00
